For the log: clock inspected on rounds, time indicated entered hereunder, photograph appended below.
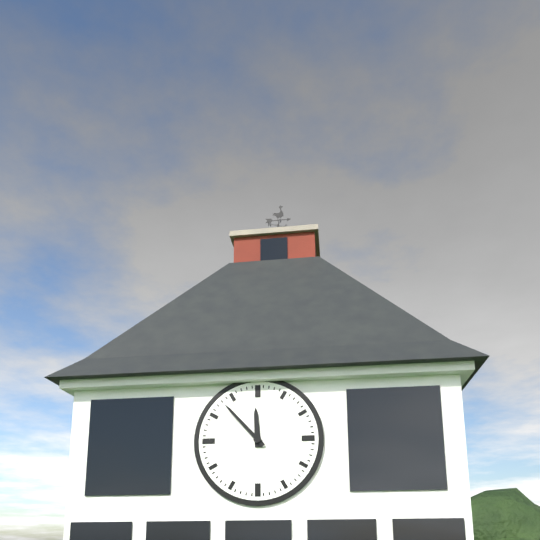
11:53
